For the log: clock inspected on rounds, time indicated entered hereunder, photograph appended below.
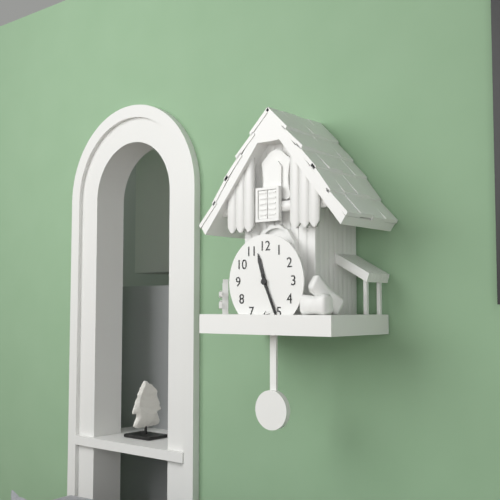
11:26
